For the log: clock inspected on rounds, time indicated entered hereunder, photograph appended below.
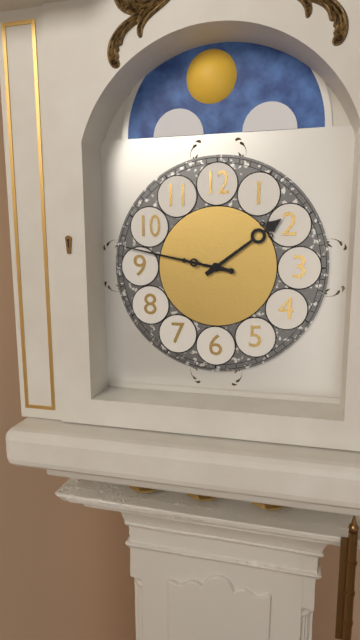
1:47
